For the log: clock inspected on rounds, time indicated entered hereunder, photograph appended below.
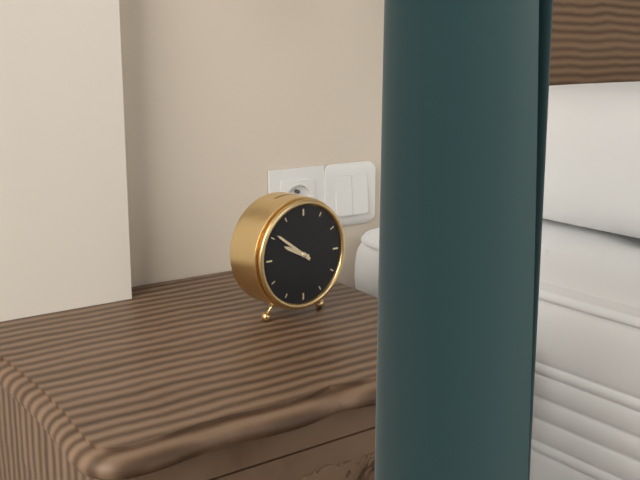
9:51
